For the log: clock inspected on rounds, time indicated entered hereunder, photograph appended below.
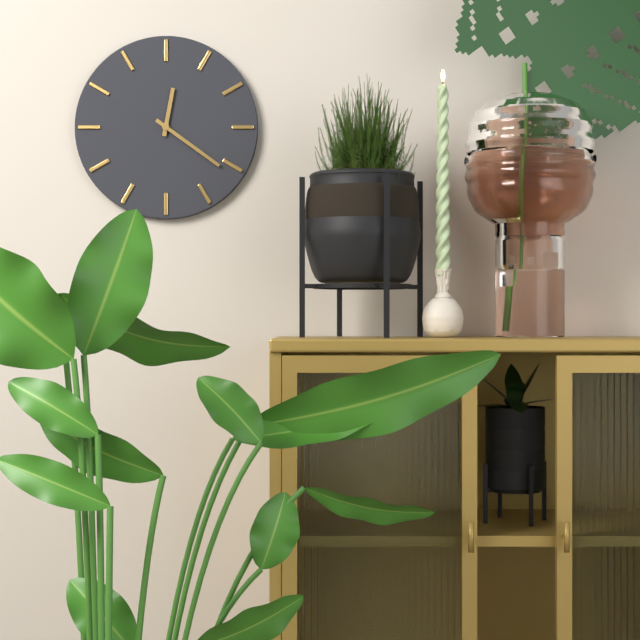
12:21
